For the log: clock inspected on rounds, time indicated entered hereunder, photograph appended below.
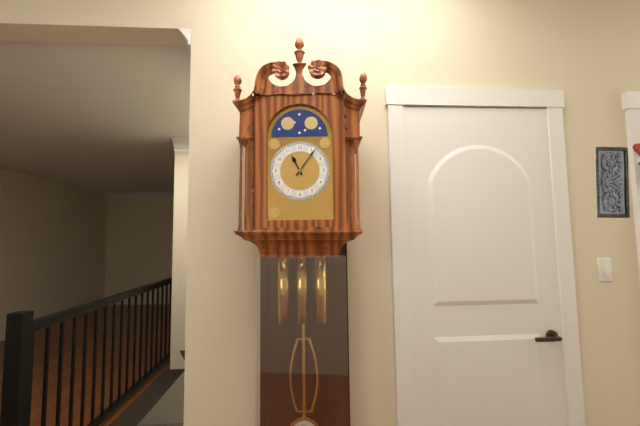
11:06
